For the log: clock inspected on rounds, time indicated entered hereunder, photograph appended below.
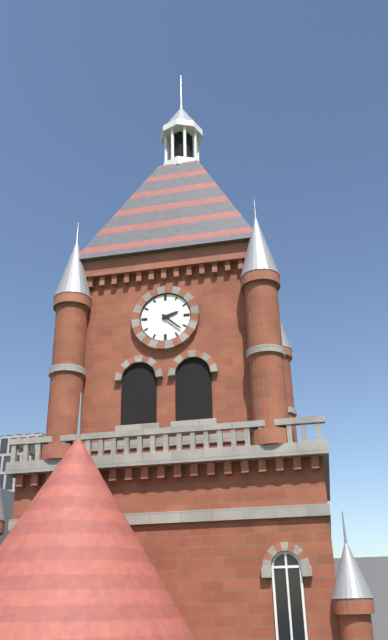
2:22
